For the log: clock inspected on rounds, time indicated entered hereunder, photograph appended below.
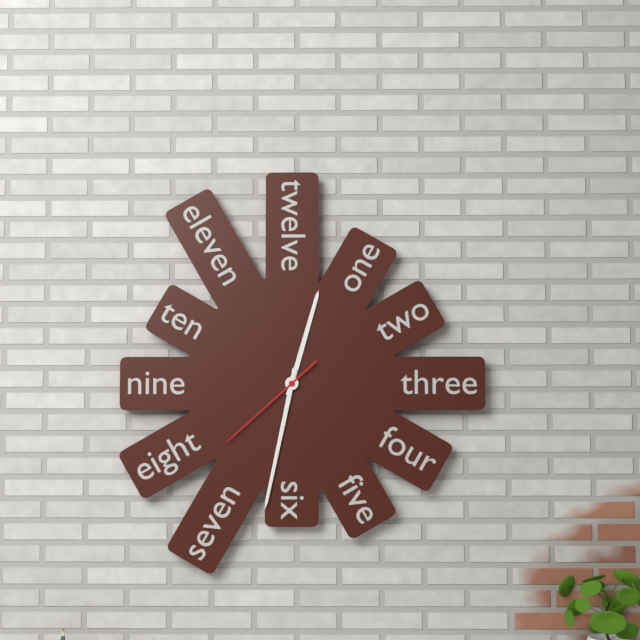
12:32:38
